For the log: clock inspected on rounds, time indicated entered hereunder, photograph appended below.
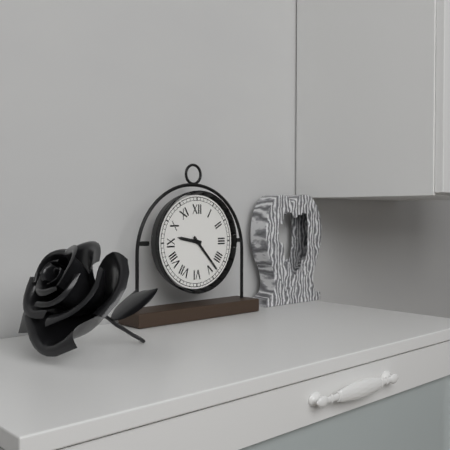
9:23
